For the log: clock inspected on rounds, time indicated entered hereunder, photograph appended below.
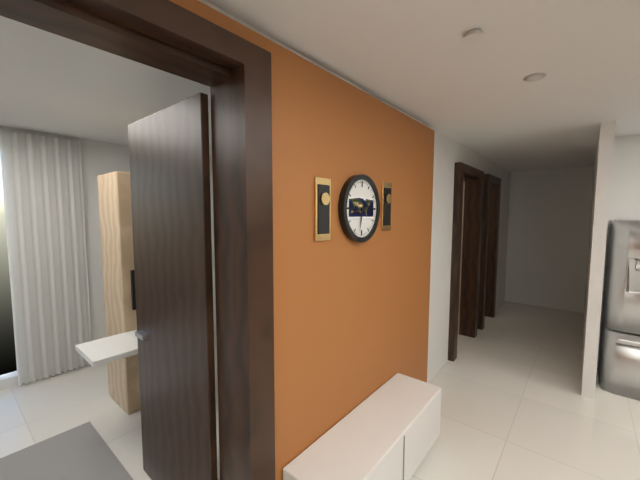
8:32
